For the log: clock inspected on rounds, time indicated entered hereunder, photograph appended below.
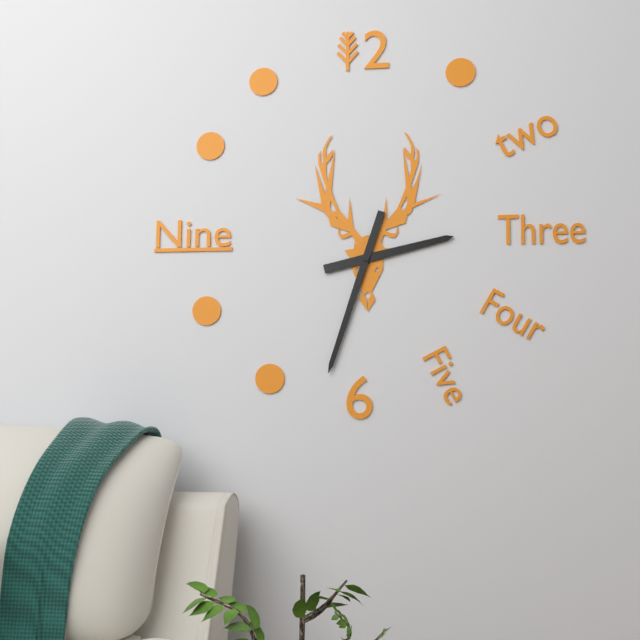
2:33
